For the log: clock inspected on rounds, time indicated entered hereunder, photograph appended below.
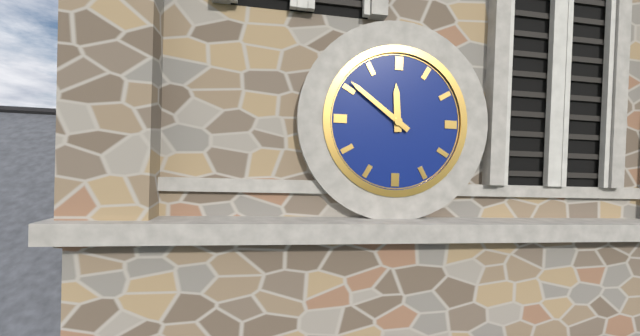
11:51
